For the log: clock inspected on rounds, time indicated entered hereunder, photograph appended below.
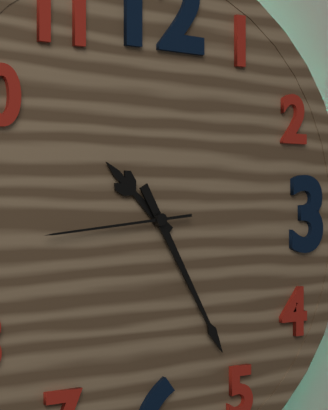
10:25:44
